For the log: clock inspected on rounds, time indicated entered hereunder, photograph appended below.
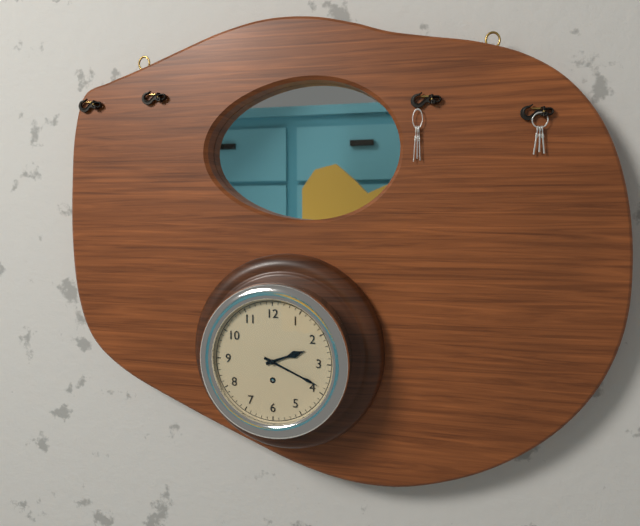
2:19
